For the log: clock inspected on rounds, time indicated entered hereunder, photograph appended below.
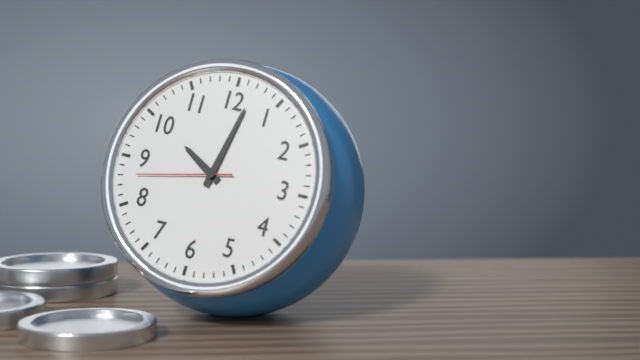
10:02:43
